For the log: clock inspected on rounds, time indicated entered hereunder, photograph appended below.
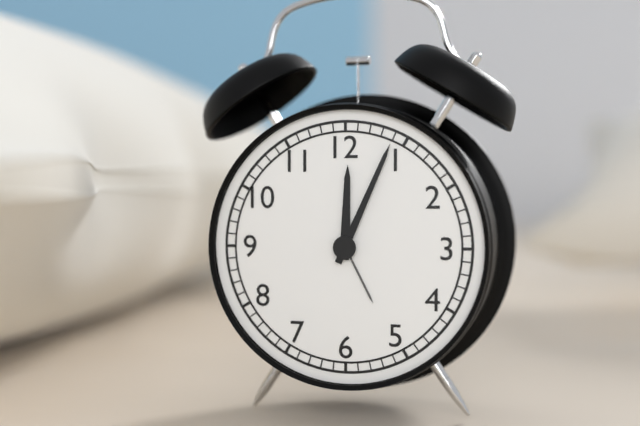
12:04
